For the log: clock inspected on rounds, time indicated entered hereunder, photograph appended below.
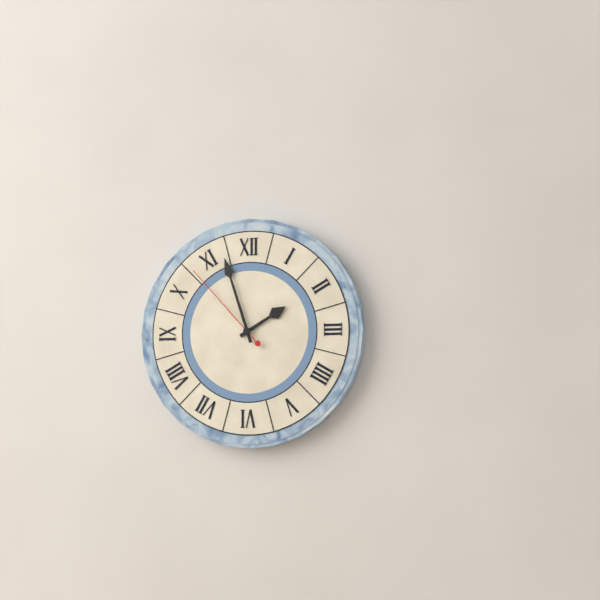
1:57:53
